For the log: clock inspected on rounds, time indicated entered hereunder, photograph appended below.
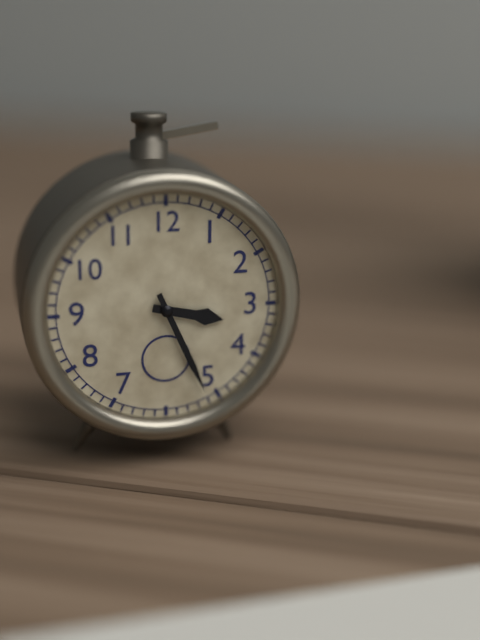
3:26
